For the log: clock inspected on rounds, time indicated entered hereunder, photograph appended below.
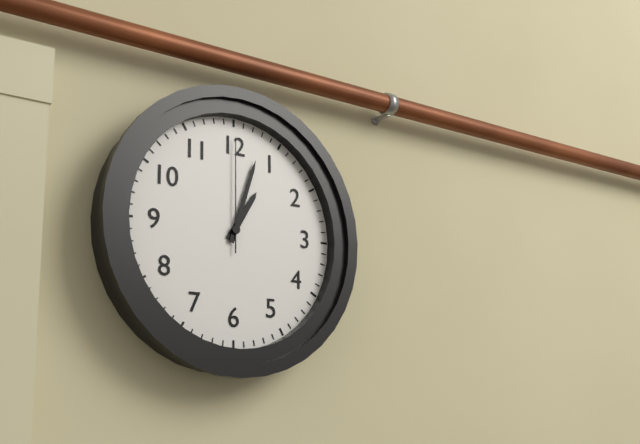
1:03:00
